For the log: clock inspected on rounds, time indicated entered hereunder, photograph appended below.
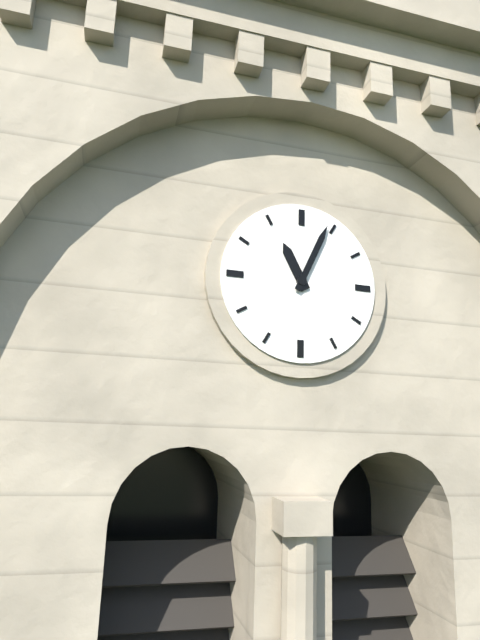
11:04
